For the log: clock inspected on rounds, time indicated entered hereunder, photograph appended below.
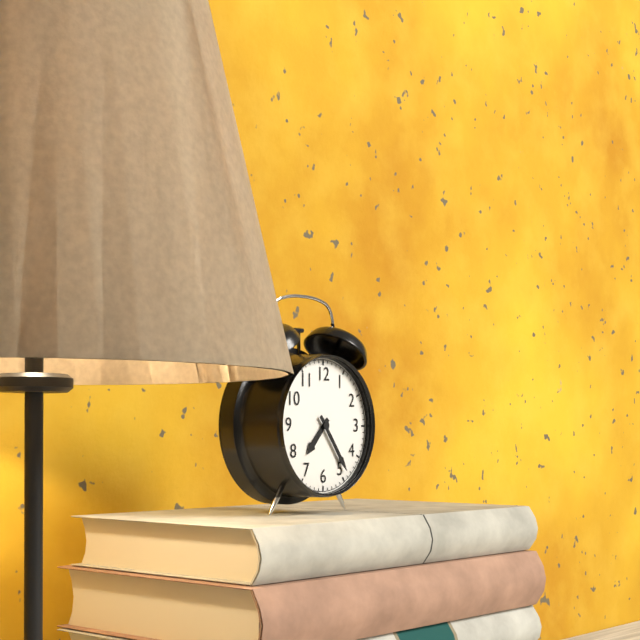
7:24
